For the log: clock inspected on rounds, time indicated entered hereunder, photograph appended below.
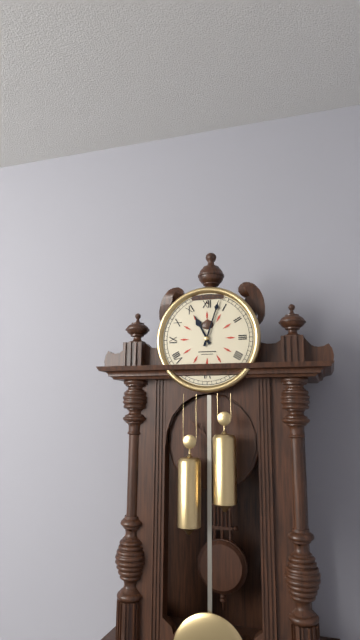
11:03
